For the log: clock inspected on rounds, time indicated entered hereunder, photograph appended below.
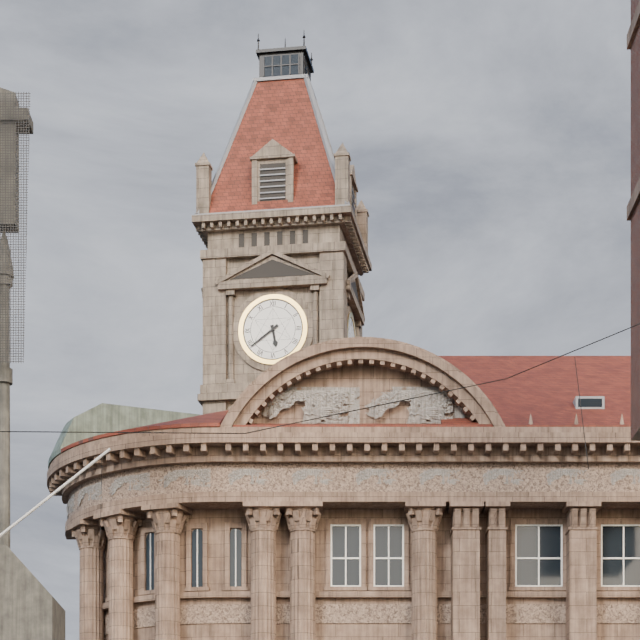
5:39
